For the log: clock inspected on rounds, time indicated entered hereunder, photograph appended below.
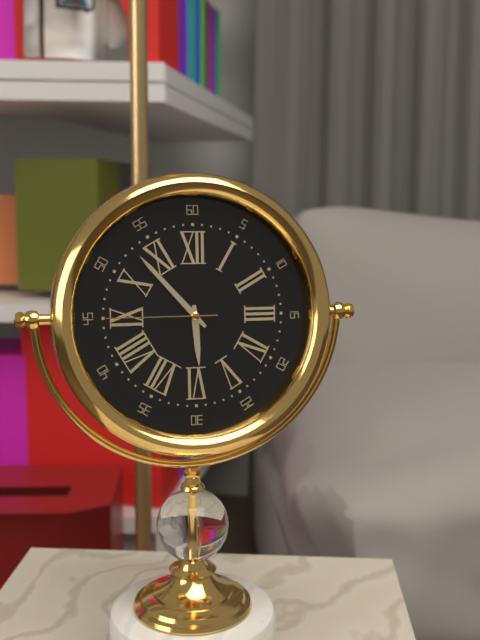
5:53:45
